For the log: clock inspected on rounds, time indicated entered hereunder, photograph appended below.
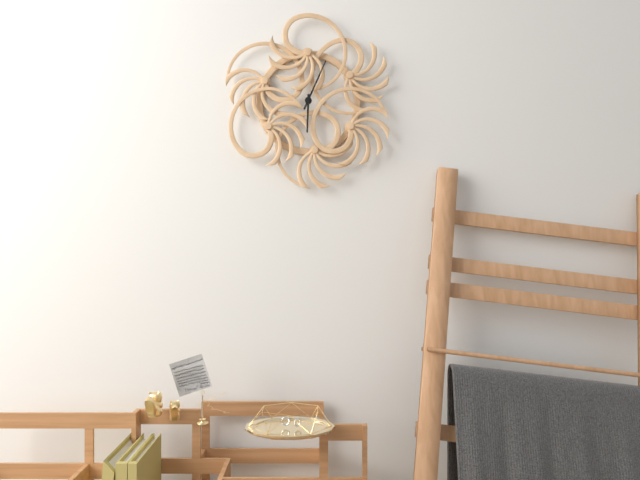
6:04
